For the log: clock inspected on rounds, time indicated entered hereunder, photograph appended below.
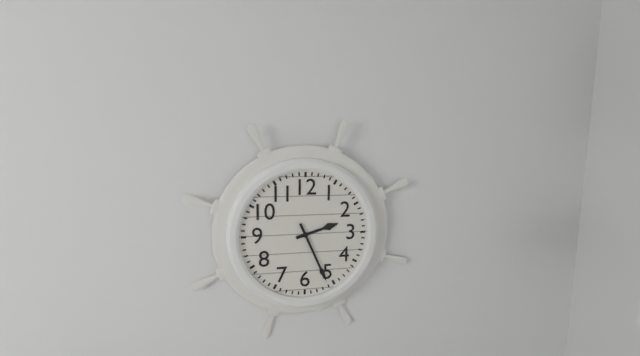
2:26
